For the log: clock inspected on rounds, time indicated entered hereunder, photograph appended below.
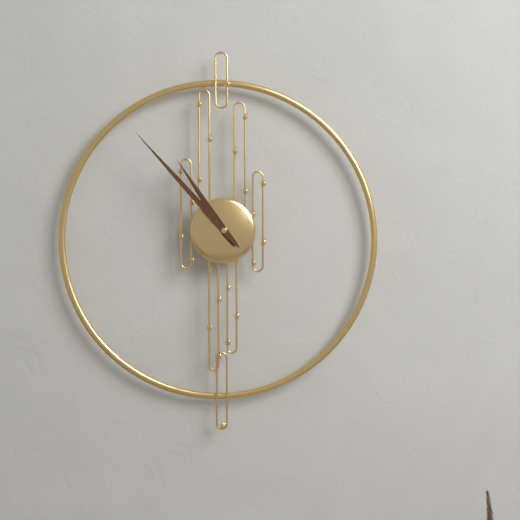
10:53
